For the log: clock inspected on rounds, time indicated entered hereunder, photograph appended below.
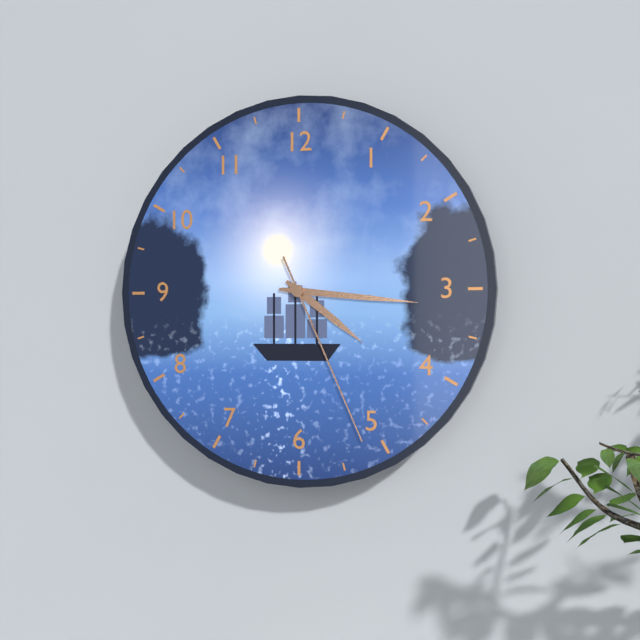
4:16:26
